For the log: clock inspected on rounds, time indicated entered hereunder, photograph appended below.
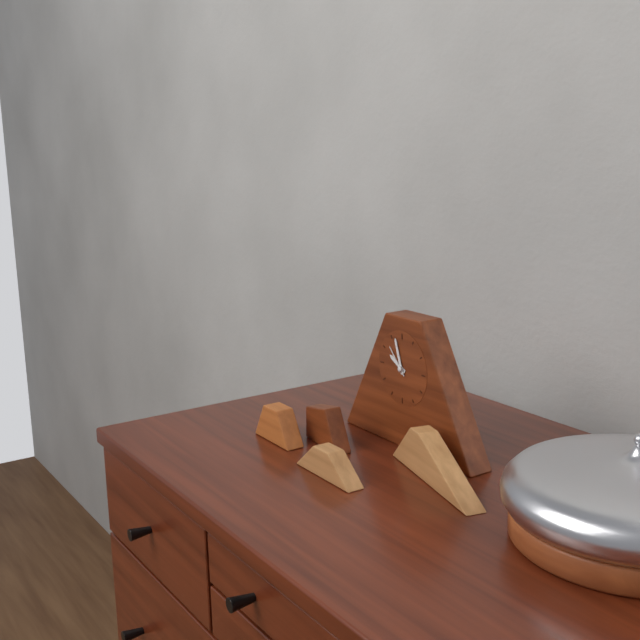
9:57
